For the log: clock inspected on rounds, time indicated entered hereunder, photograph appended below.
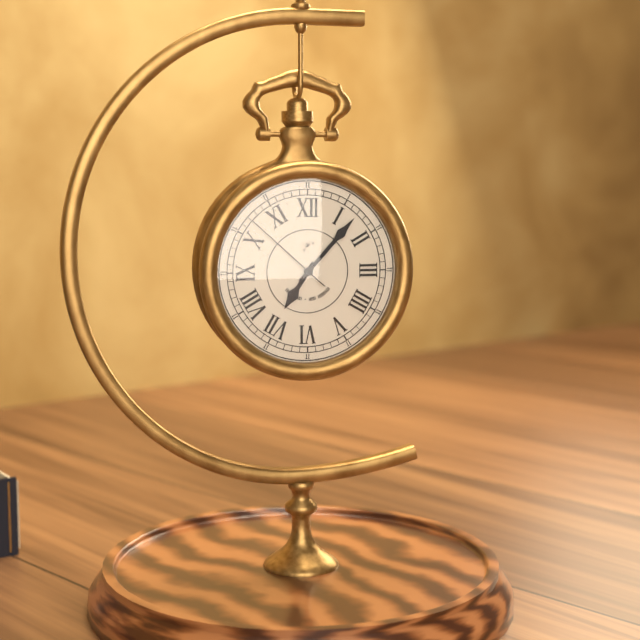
7:07:52
